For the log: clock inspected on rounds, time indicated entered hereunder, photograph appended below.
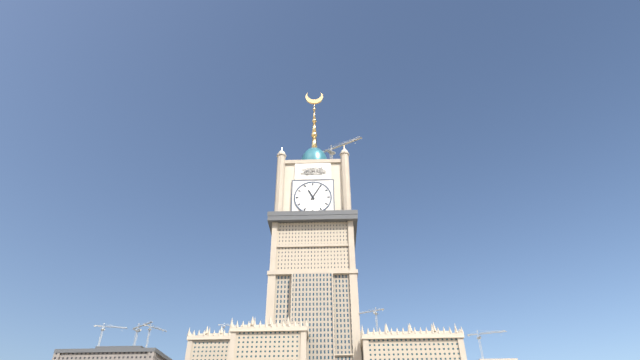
11:05
